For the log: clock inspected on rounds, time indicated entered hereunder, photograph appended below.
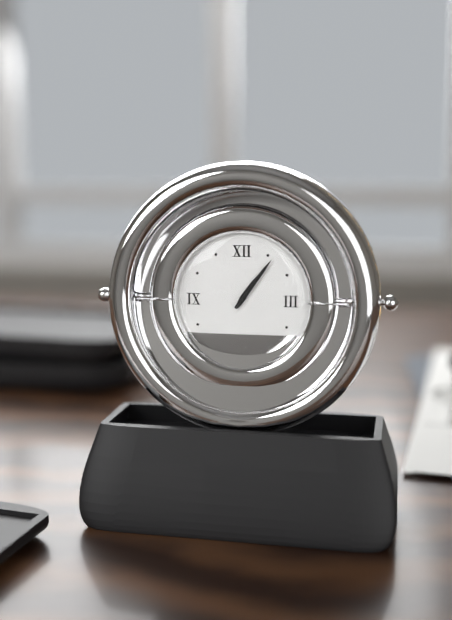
1:06
